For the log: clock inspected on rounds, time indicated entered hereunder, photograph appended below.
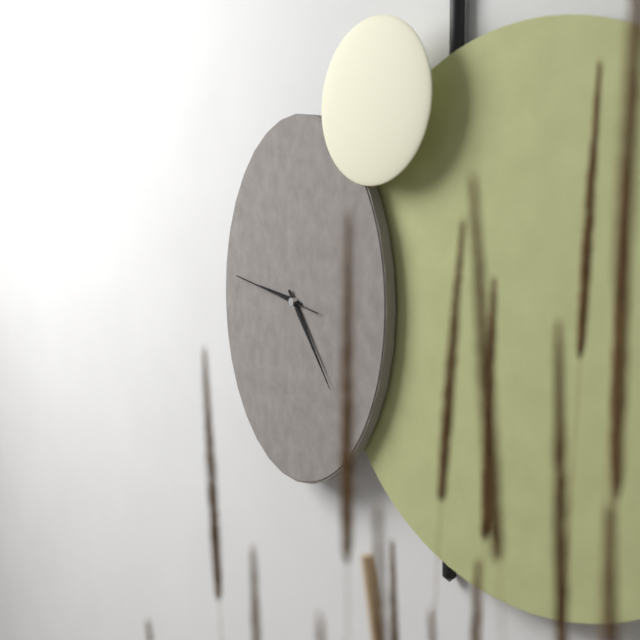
9:24:47
